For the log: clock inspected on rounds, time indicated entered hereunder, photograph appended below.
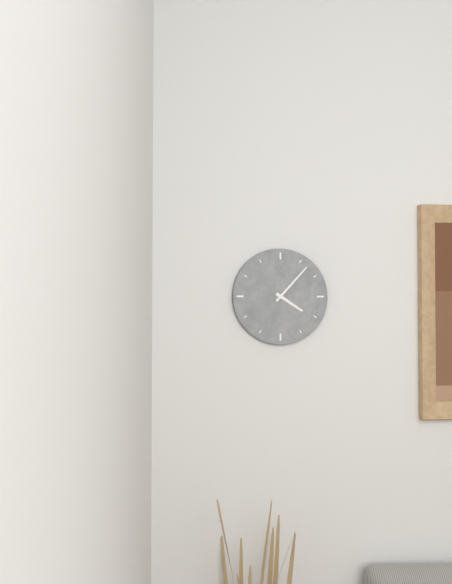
4:07
